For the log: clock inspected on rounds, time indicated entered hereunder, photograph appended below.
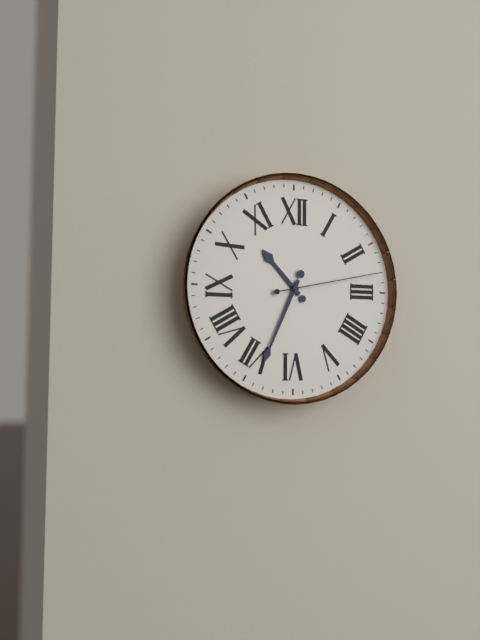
10:34:13
